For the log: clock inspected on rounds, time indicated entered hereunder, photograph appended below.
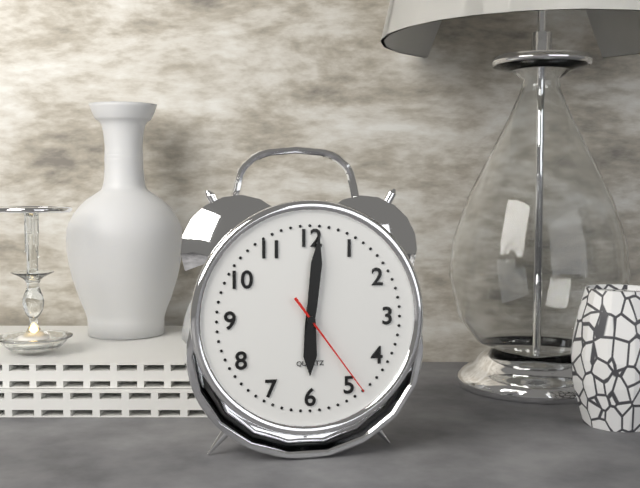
6:01:24
